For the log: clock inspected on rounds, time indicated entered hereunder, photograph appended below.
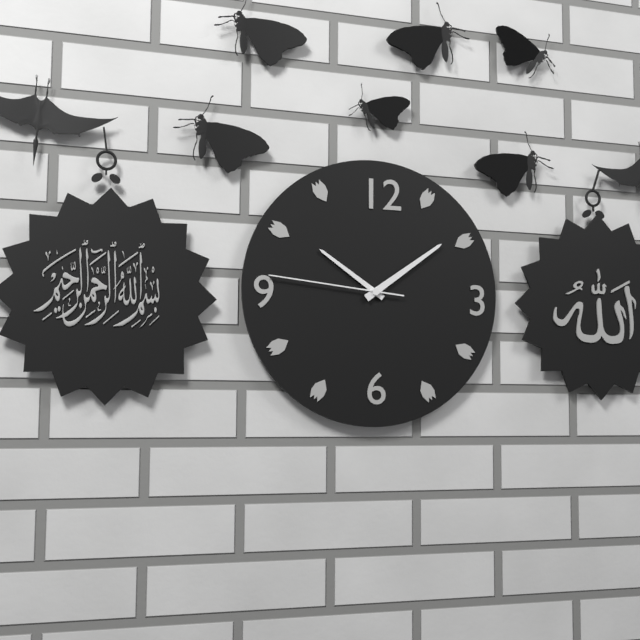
10:09:46
